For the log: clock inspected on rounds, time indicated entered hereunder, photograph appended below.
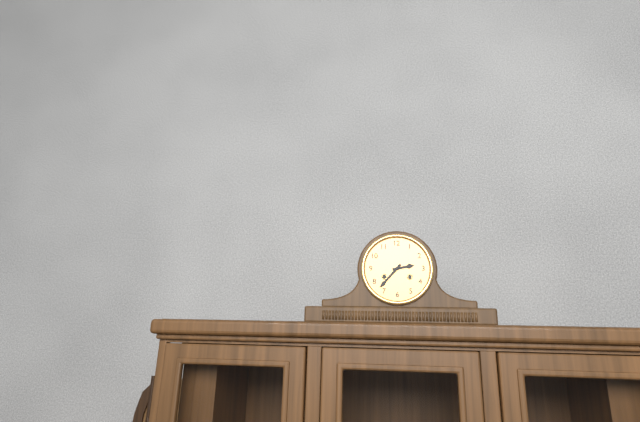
2:37
